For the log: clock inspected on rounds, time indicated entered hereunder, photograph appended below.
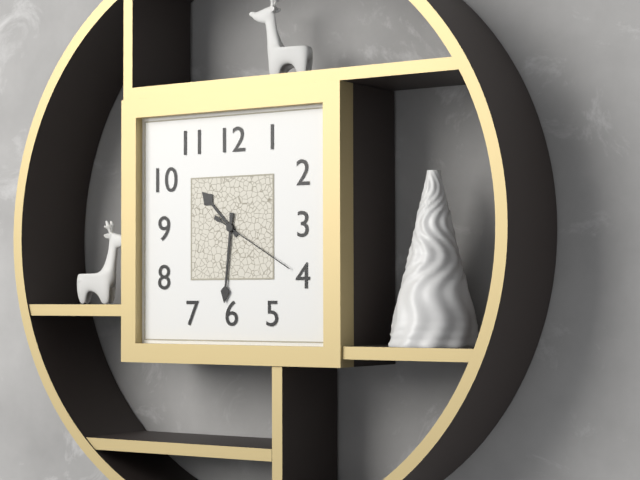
10:31:20
